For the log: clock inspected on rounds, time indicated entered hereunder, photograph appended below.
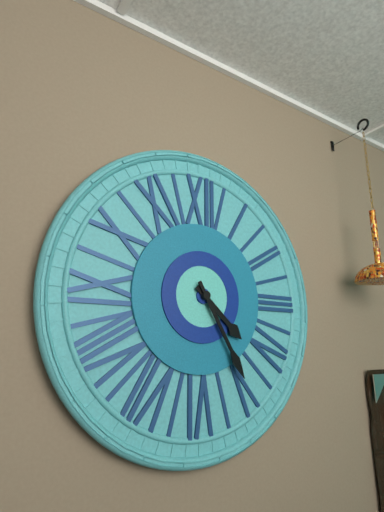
4:25
